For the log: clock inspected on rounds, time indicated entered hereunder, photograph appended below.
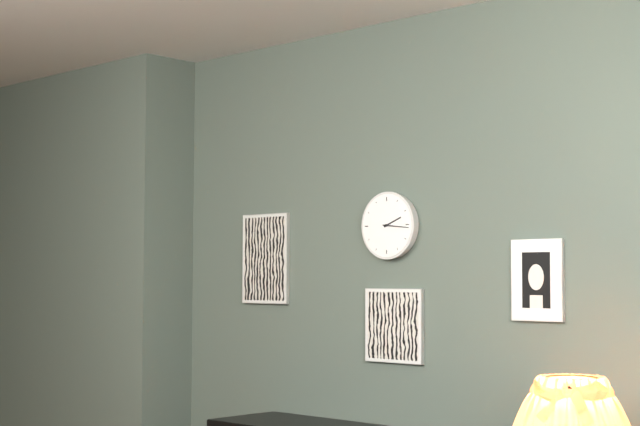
2:16
